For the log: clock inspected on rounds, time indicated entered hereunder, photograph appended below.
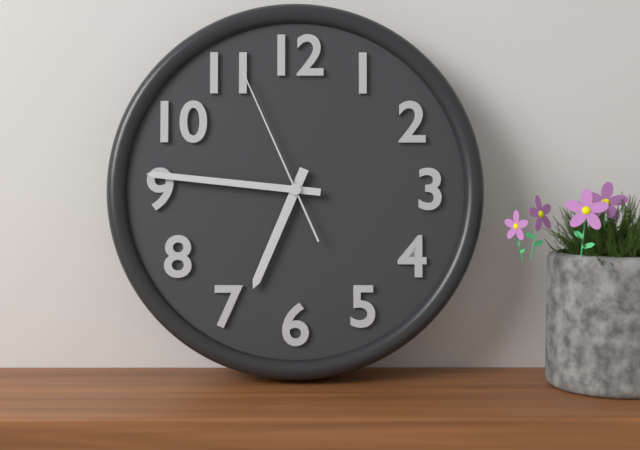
6:46:56
